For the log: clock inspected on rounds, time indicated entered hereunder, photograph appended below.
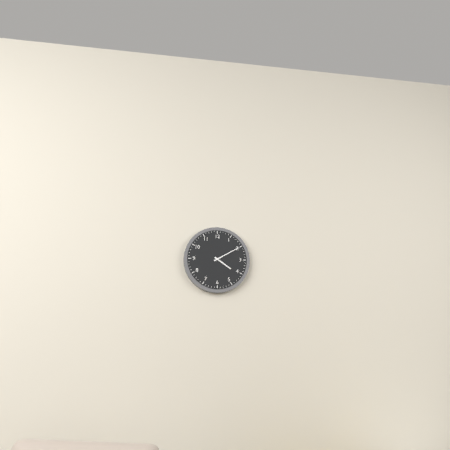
4:10
